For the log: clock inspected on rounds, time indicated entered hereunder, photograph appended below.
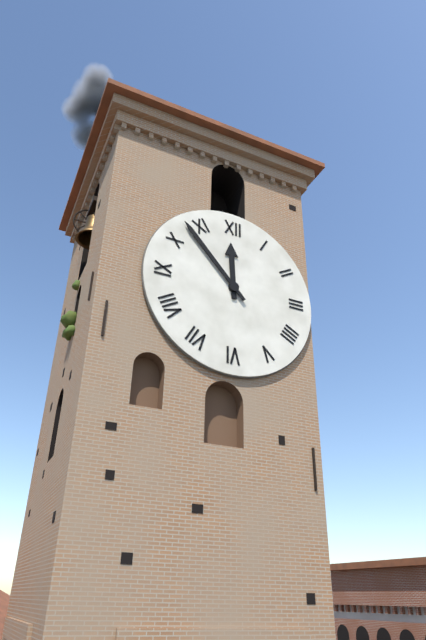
11:53
